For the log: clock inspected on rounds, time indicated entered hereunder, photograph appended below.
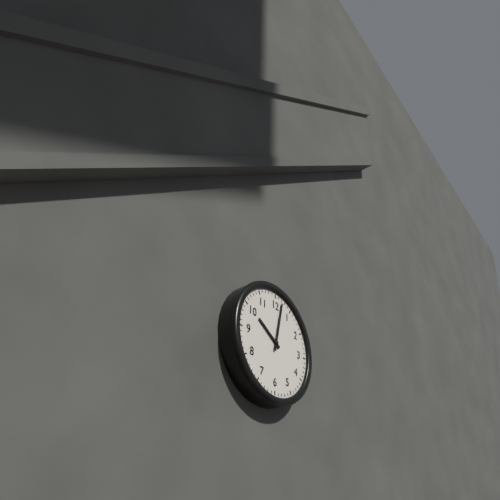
10:02
